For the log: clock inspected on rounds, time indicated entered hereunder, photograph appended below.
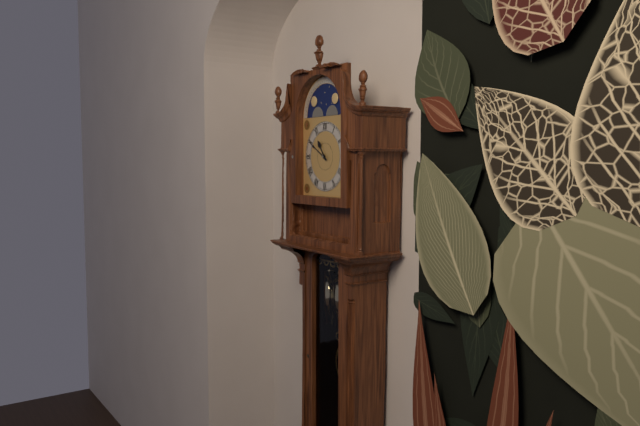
10:50
